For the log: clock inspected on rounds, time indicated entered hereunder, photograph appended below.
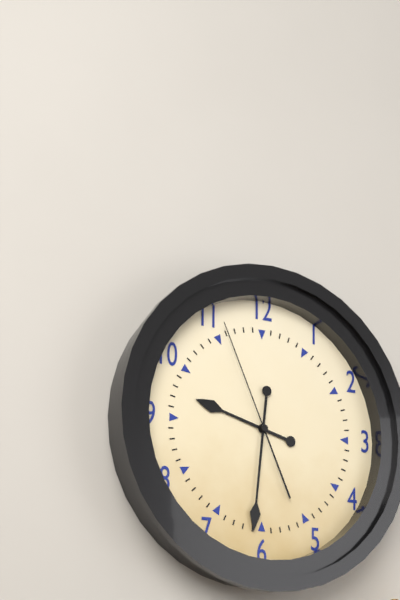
9:31:56
